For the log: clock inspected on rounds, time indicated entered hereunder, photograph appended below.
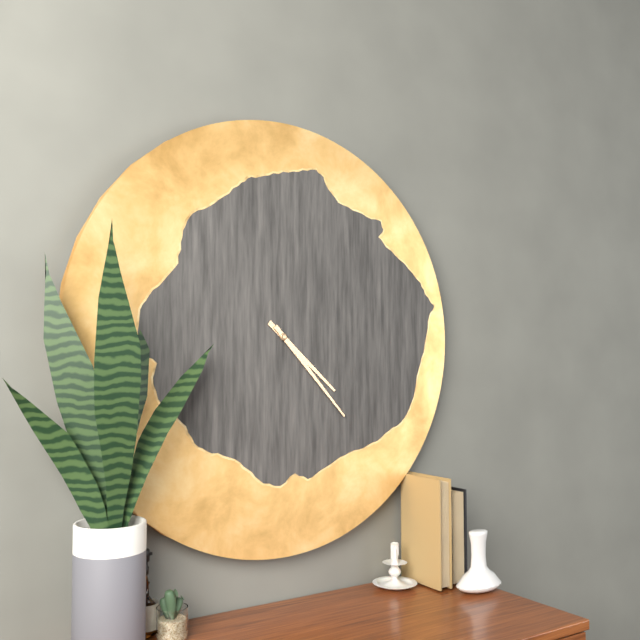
4:23
